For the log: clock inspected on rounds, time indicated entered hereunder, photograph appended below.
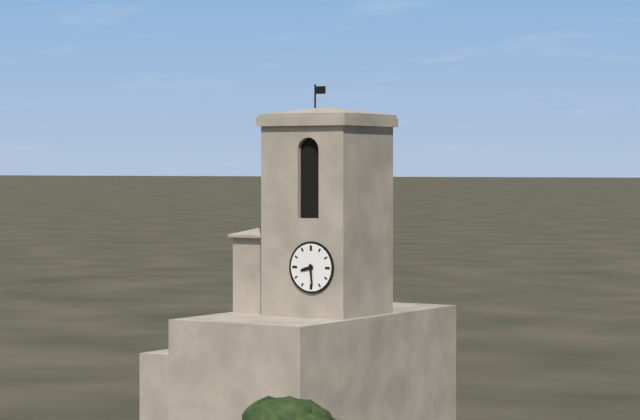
8:29
